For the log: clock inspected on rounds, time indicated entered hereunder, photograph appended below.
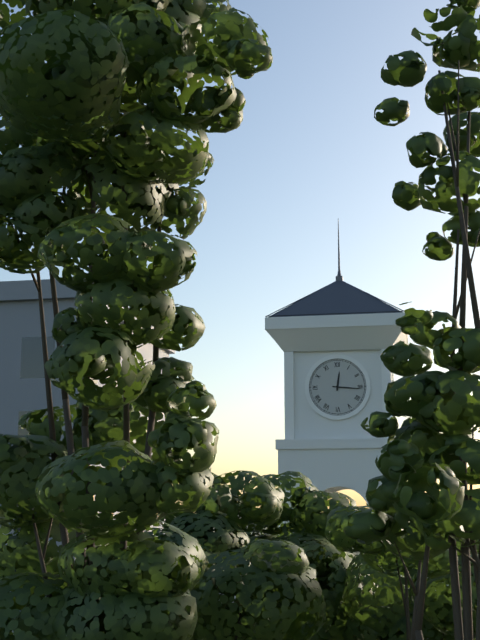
12:16
